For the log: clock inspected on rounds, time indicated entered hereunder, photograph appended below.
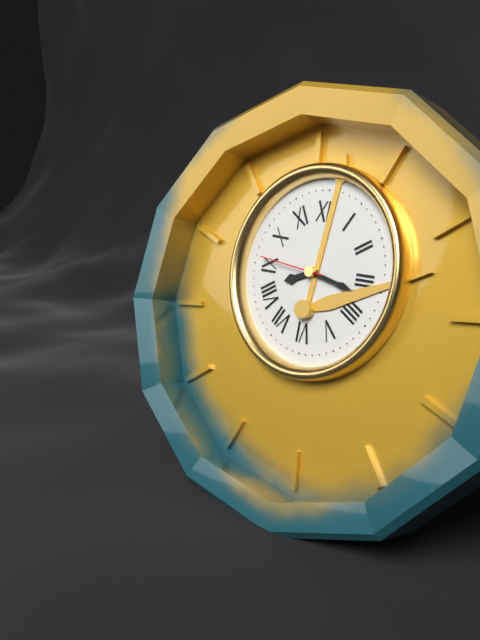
8:17:46
